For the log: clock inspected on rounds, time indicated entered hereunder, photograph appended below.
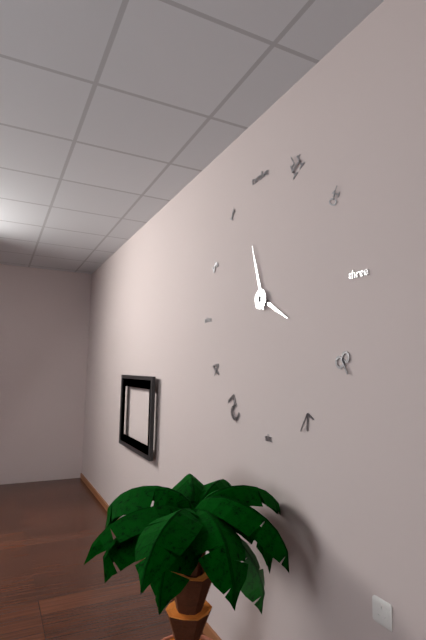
3:57
